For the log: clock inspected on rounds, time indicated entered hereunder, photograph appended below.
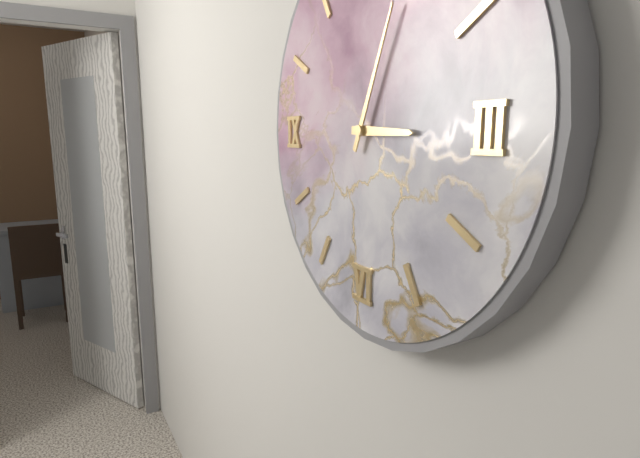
3:04
